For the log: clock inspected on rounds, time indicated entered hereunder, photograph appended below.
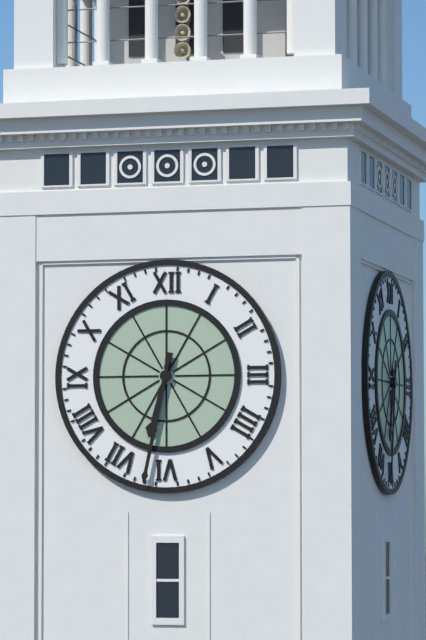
6:32
